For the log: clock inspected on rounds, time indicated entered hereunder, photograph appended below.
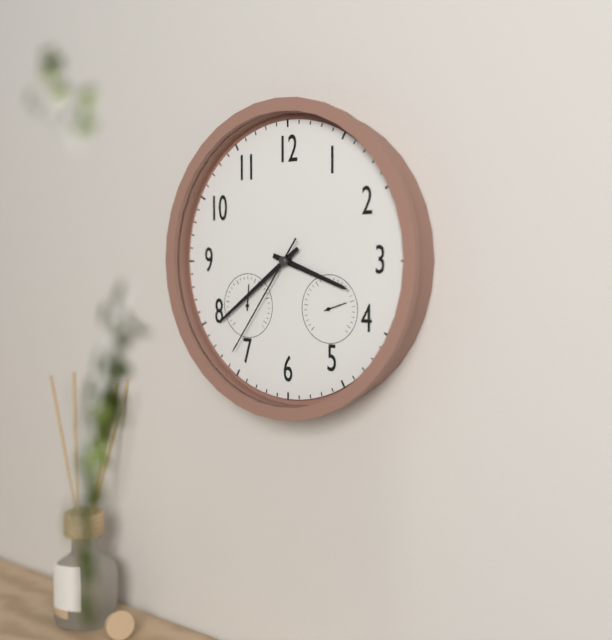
3:39:36
